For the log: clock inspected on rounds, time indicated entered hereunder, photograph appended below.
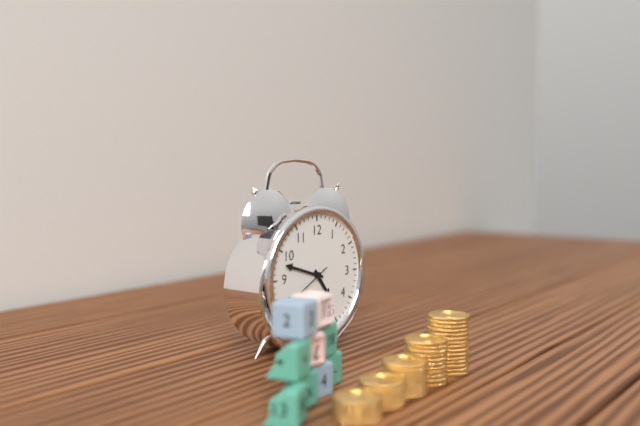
4:48
